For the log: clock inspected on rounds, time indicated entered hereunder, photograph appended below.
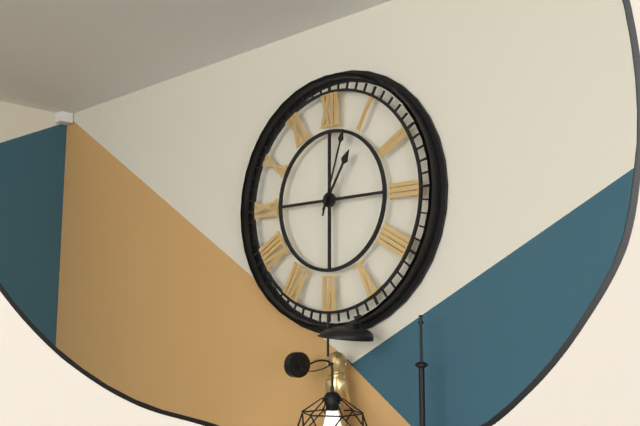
1:03
